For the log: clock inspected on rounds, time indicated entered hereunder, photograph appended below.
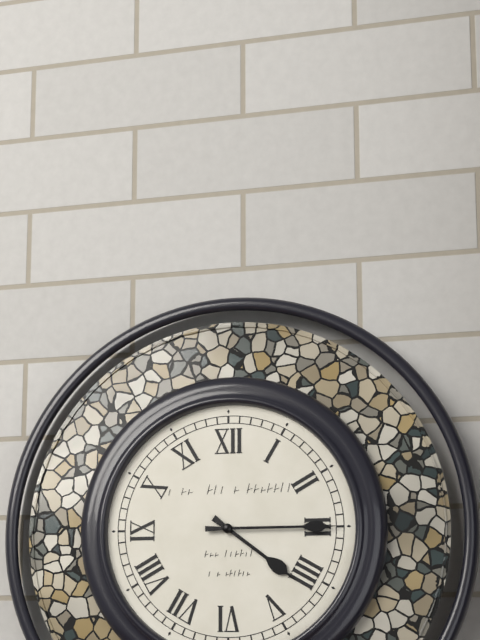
4:15
